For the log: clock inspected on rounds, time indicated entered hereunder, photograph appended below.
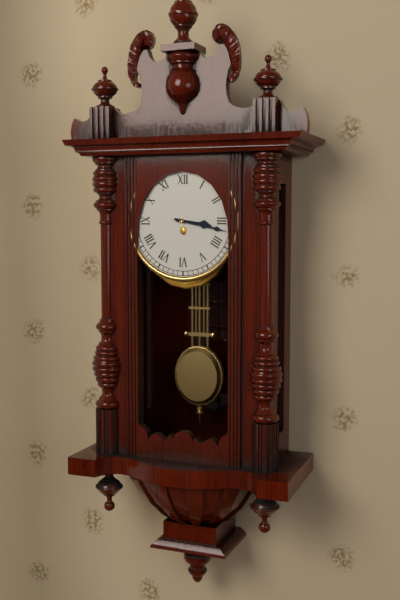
3:17
